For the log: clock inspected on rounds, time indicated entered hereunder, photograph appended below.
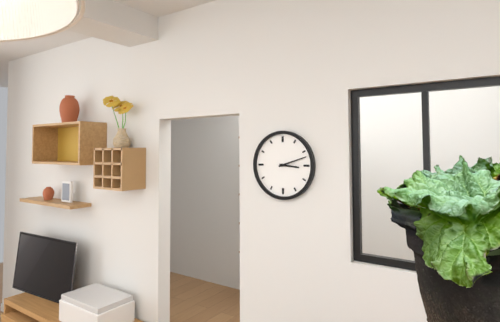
3:12
